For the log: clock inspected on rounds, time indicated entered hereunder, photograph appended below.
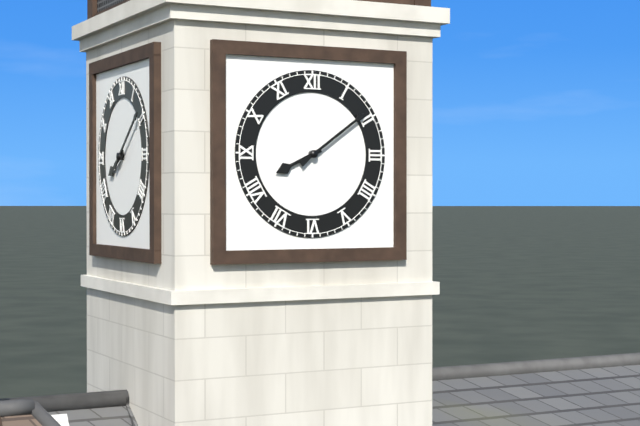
8:09
